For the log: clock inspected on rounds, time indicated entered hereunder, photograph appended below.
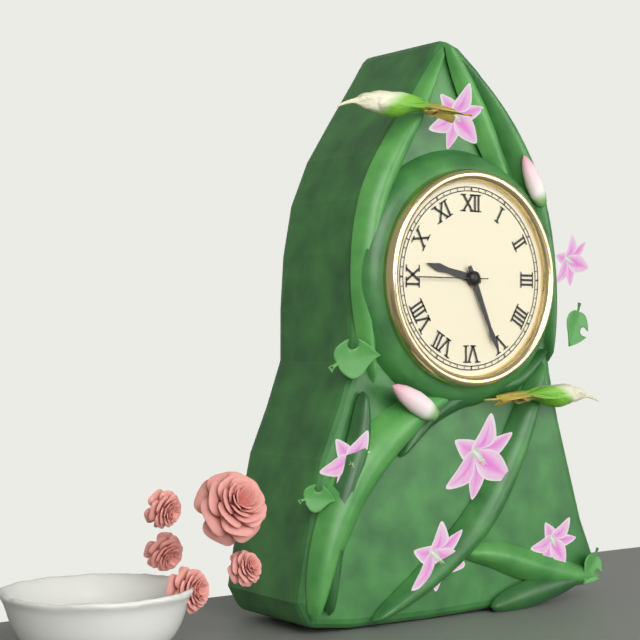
9:26
